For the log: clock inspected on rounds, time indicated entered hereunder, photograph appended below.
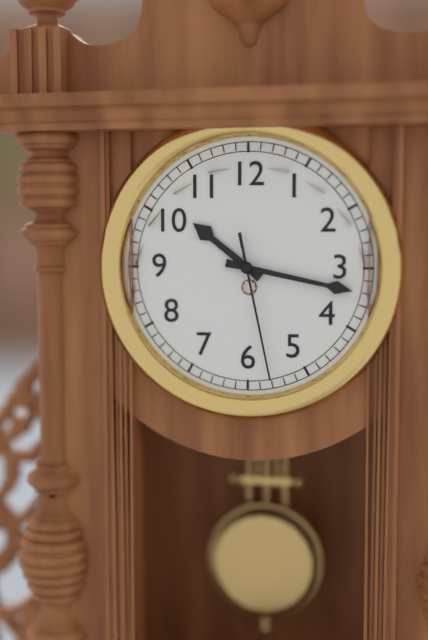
10:17:28
